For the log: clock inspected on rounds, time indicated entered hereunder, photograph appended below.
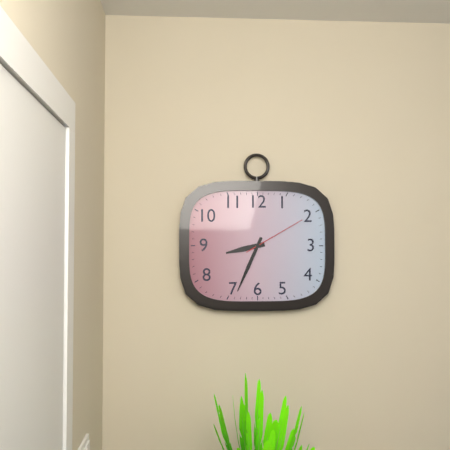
8:34:10
